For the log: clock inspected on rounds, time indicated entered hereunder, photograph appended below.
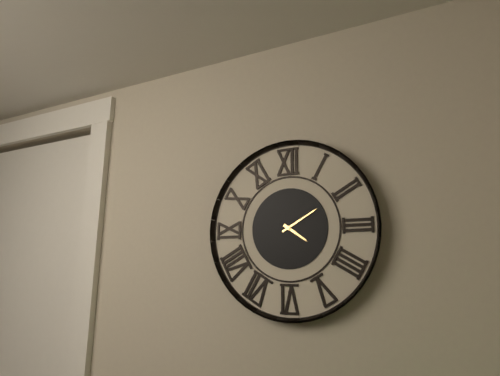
4:10
